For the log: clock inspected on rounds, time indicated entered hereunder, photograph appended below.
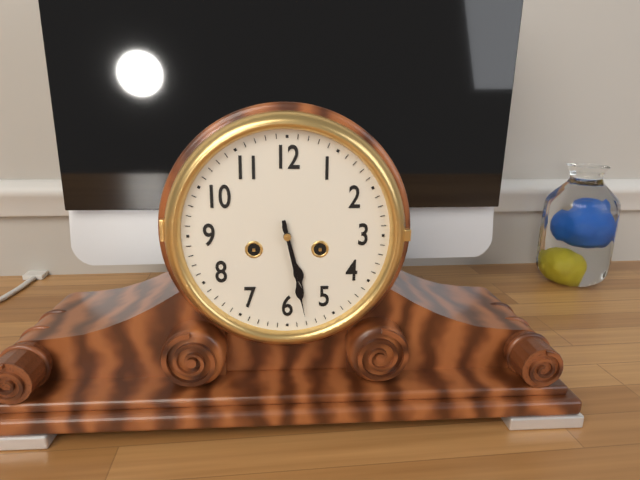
5:28
